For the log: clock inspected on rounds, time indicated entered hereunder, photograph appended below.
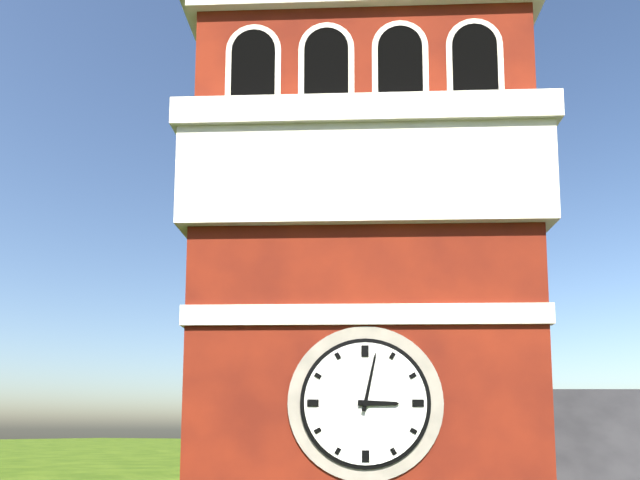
3:02
